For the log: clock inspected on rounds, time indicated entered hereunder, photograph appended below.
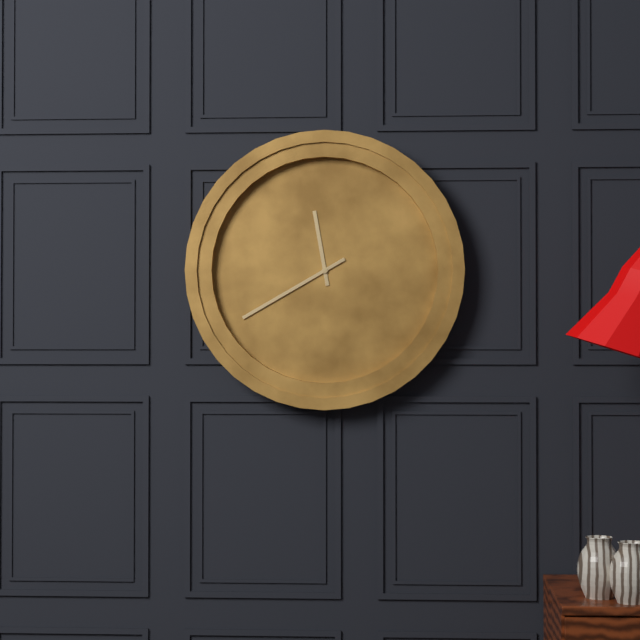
11:40
